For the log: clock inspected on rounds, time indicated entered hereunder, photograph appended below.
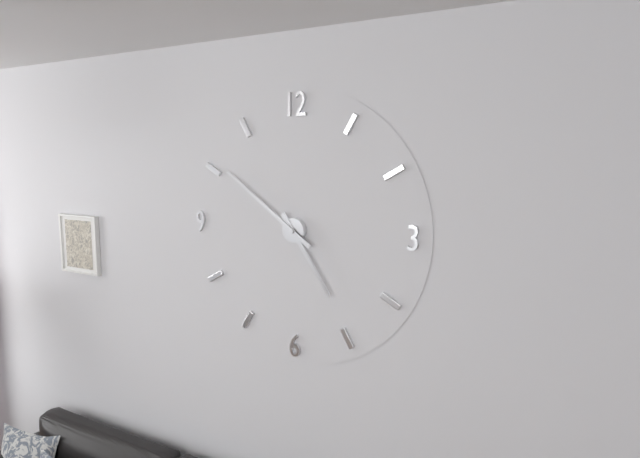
4:51
